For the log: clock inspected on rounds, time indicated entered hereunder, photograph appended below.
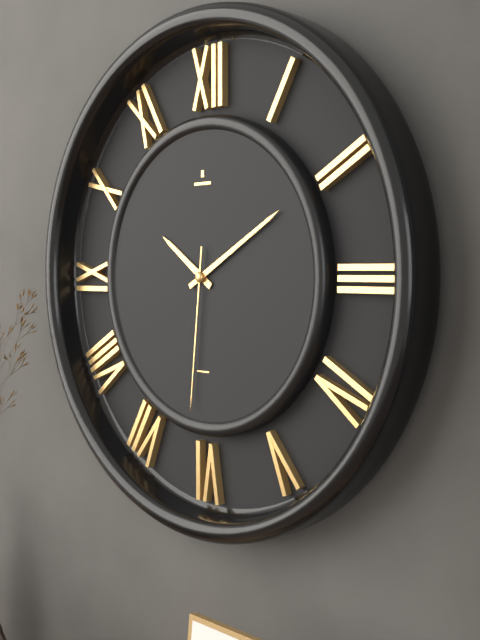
10:10:31
